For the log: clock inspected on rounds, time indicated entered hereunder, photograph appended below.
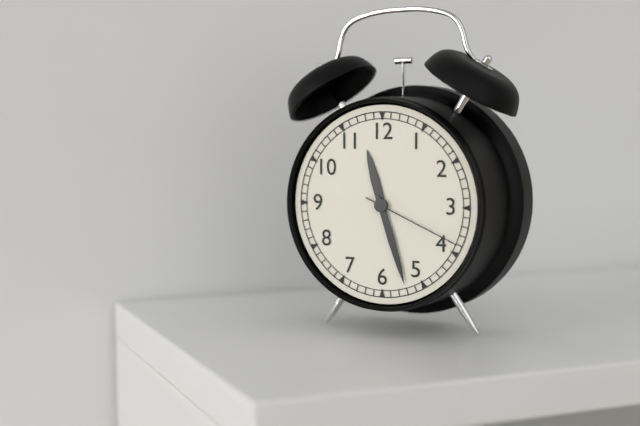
11:27:19
